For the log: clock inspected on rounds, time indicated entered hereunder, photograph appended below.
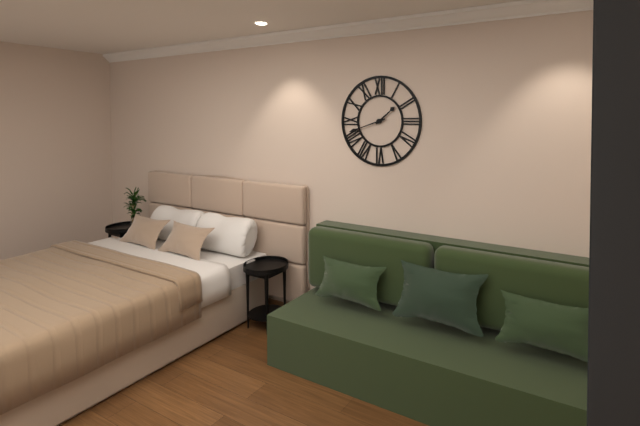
1:42
